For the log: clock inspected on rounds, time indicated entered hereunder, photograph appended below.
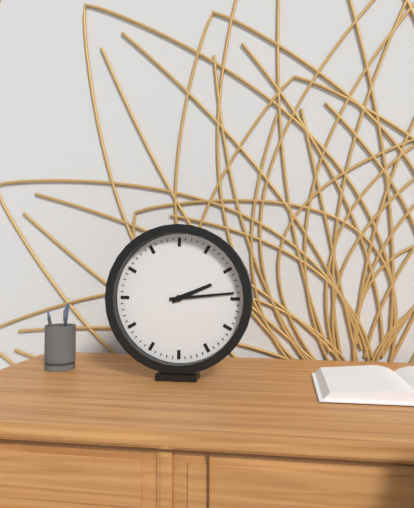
2:14
